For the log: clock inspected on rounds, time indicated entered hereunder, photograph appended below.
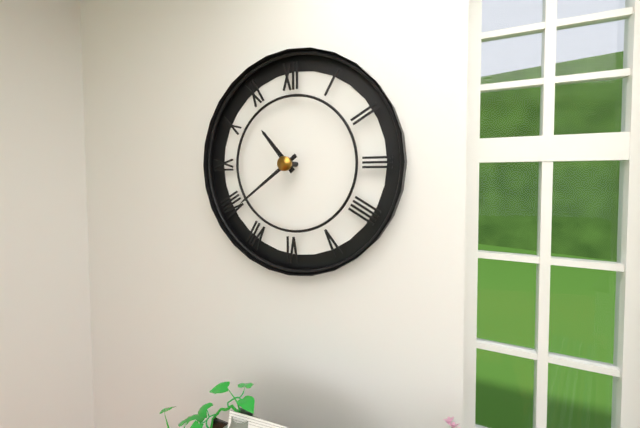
10:39
